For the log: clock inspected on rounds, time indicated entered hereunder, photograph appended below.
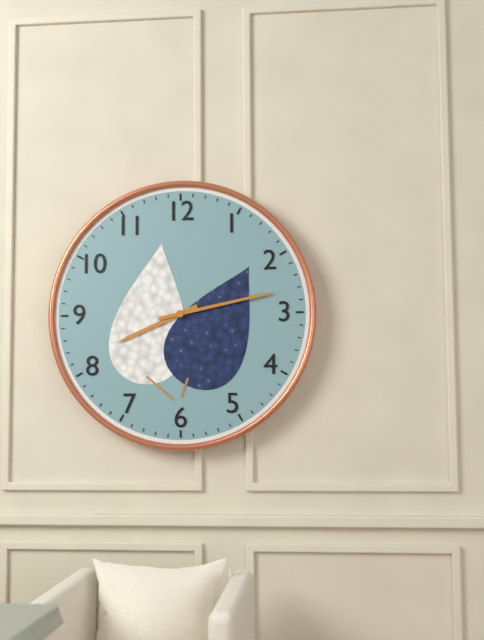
8:13
